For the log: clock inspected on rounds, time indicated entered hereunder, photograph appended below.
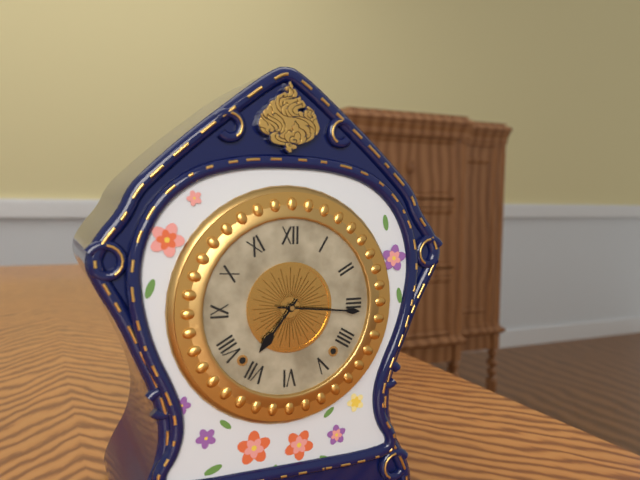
7:16
